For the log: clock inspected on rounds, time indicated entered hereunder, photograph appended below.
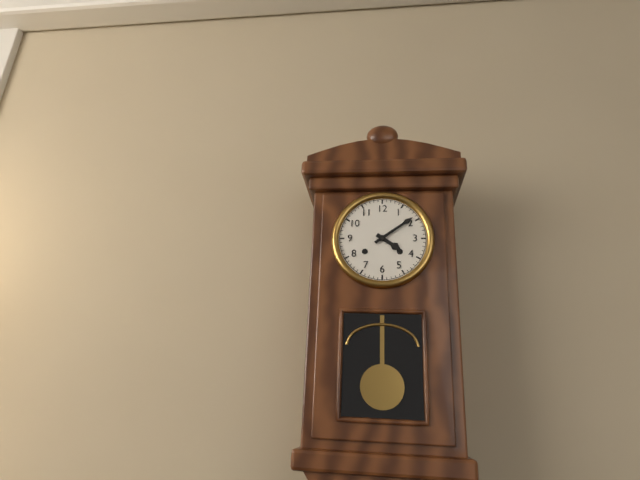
4:09
